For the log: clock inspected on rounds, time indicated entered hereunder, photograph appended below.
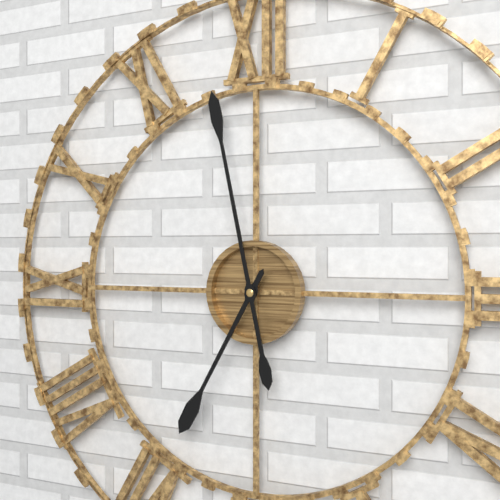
6:58
